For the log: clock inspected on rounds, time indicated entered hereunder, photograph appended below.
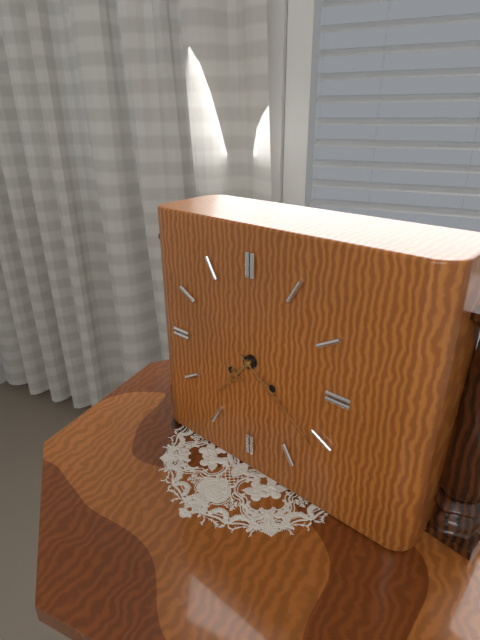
7:21
